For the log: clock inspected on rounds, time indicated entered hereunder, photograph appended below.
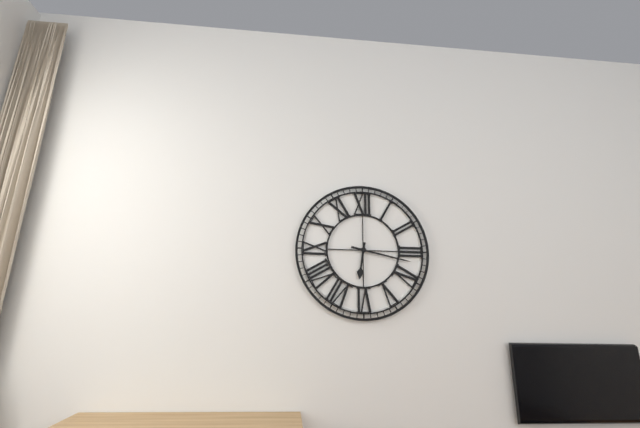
6:17
